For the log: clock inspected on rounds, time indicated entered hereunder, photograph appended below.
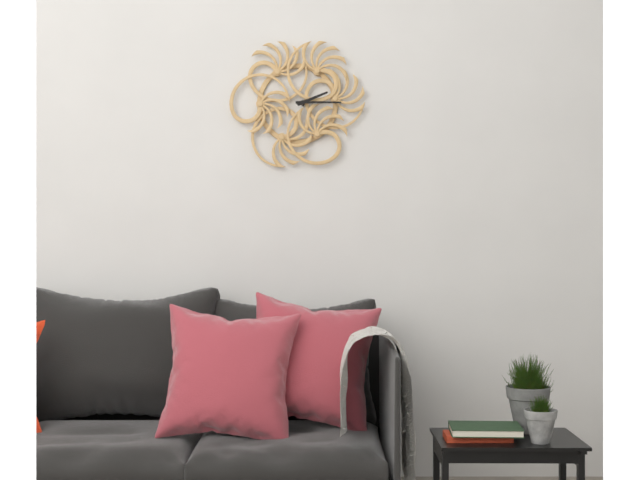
2:15
